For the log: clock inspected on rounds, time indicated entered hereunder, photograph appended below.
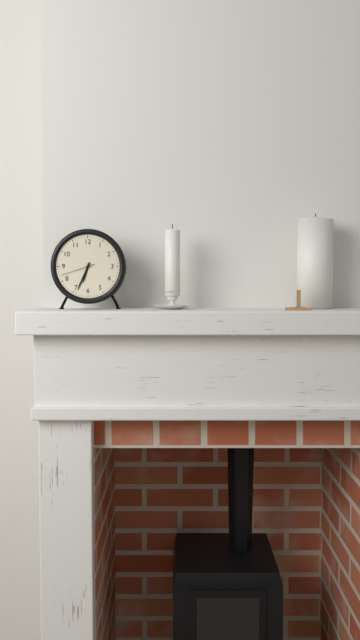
6:34
